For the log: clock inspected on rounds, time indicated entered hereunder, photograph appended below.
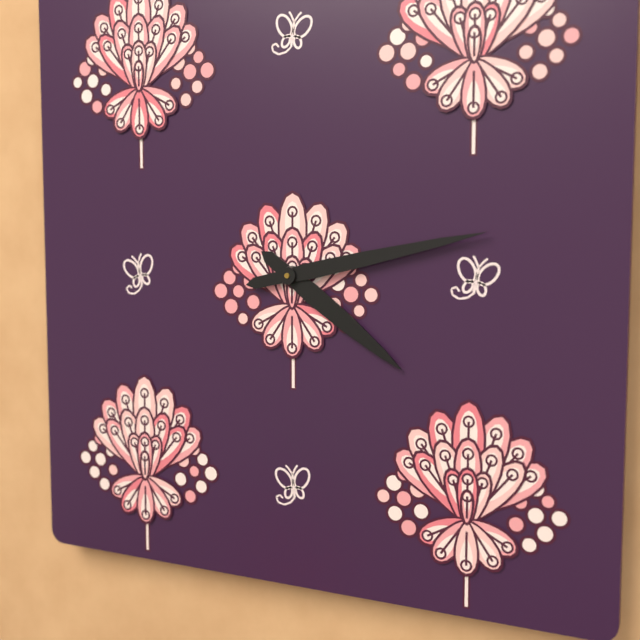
4:13
